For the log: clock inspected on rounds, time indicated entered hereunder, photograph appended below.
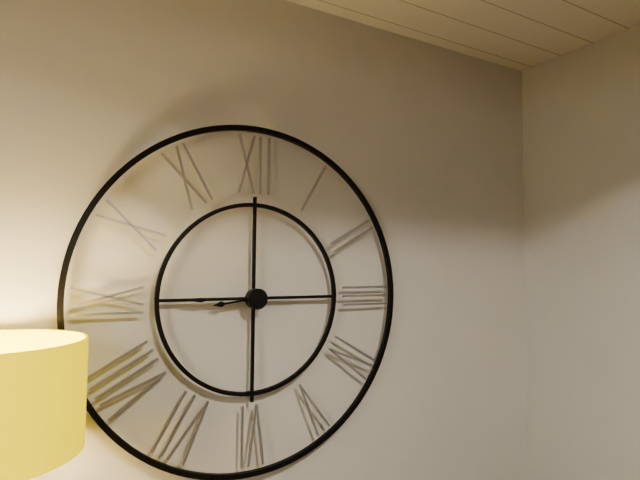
8:45
